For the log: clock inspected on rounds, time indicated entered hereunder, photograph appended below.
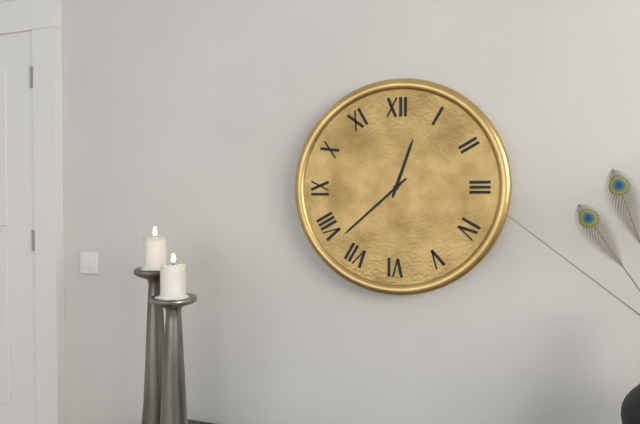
12:38
